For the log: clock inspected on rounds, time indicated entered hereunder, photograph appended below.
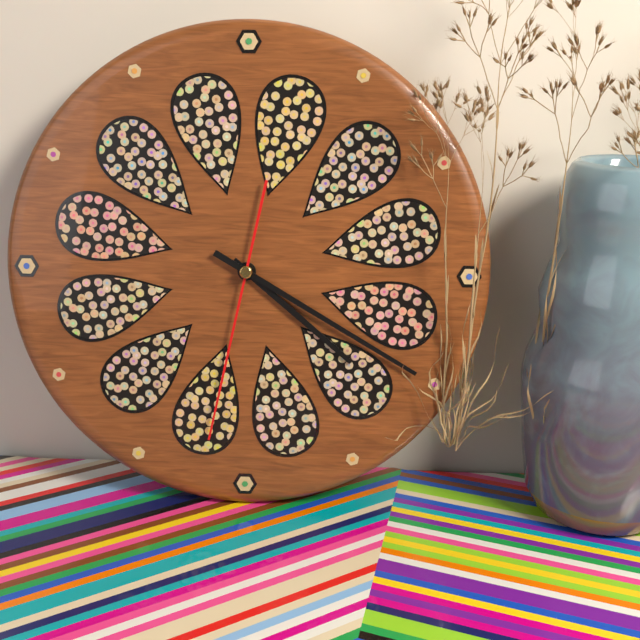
4:20:32
